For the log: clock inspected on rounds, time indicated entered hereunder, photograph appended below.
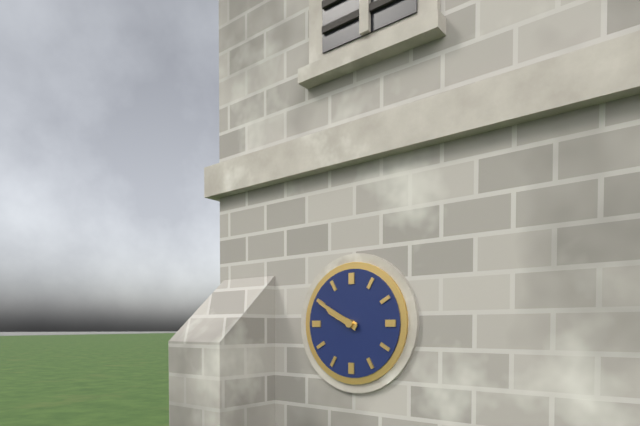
9:50
